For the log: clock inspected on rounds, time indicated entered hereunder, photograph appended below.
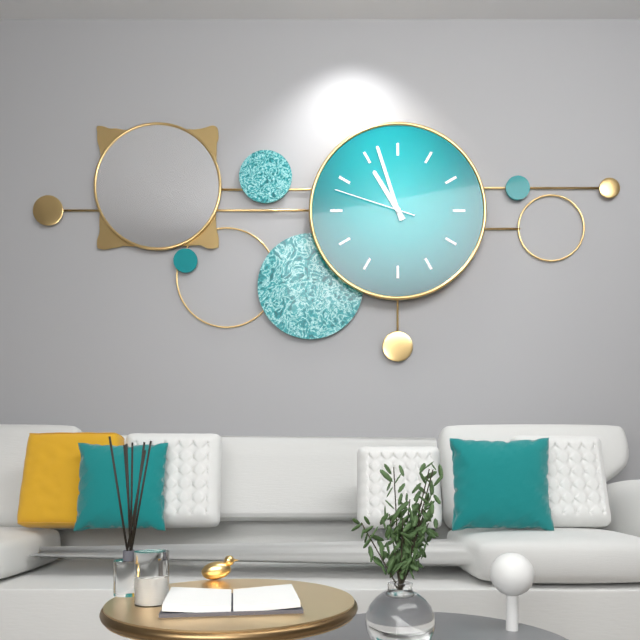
10:57:48
